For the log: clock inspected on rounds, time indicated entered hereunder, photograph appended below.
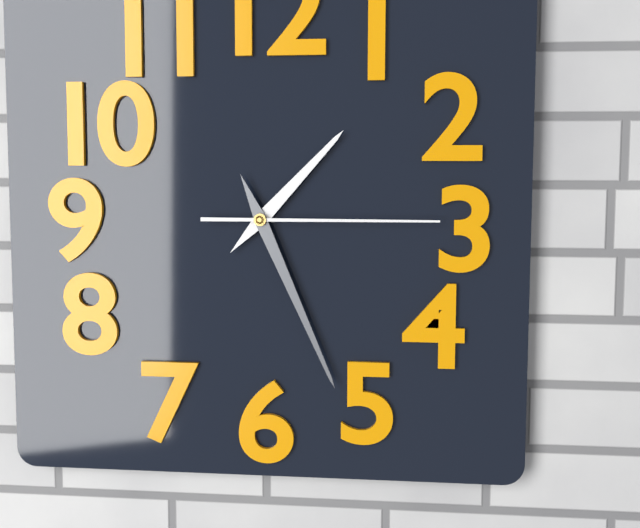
1:26:15
